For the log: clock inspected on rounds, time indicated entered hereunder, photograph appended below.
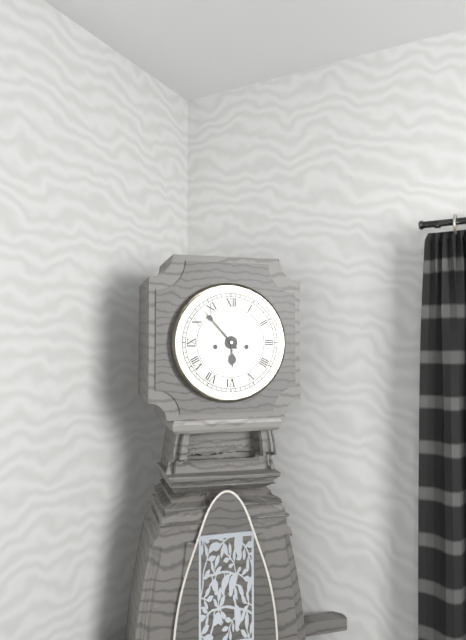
5:53
